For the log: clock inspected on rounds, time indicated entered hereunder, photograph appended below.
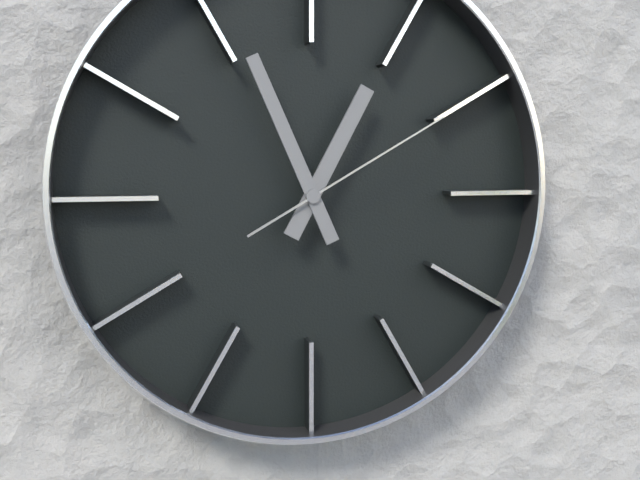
12:56:10
